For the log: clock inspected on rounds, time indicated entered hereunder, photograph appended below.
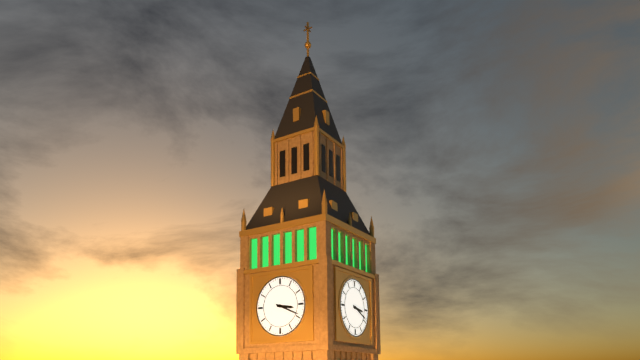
3:19
